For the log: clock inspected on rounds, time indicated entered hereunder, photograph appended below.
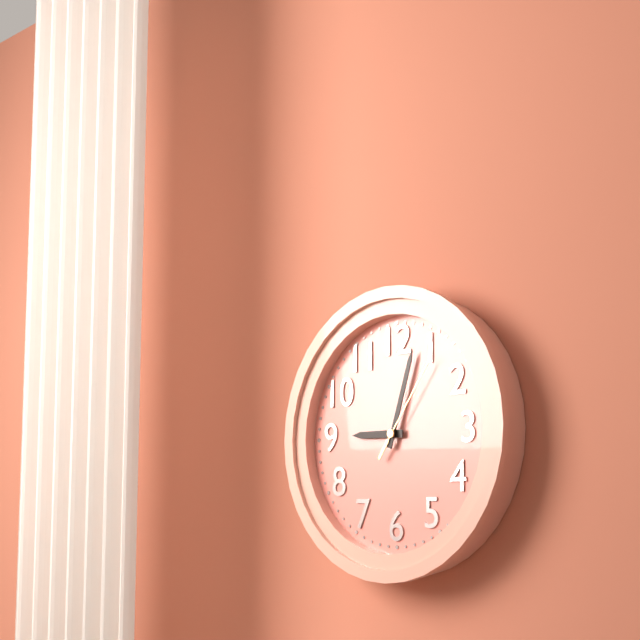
9:03:06
